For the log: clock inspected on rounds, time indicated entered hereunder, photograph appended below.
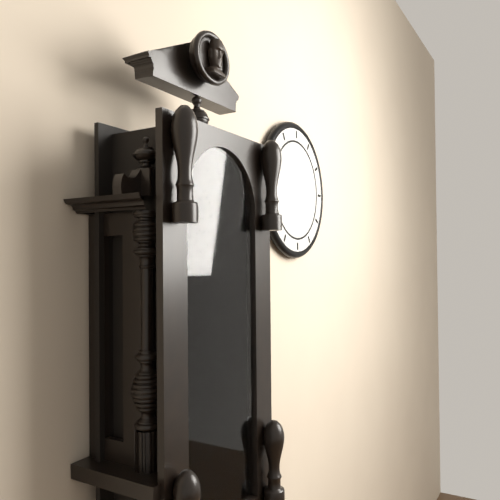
3:53
